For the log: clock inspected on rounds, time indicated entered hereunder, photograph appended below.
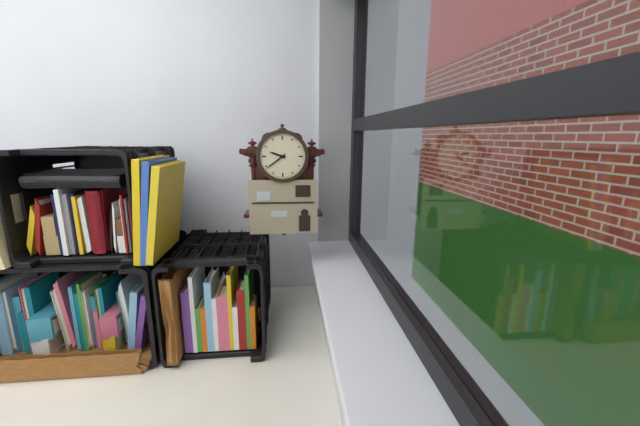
9:39
